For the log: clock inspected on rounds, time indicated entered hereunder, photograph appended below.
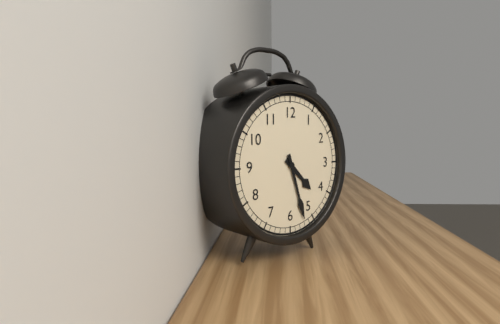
4:27
